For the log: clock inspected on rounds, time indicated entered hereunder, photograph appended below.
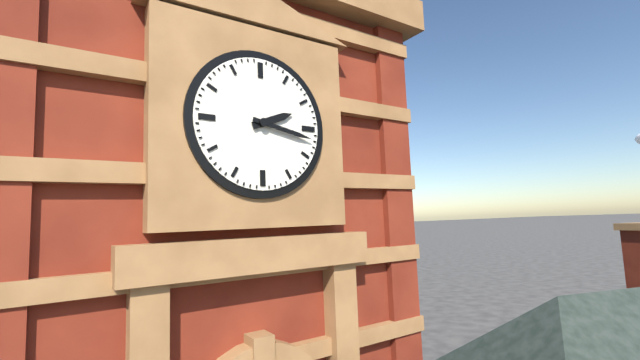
2:17
